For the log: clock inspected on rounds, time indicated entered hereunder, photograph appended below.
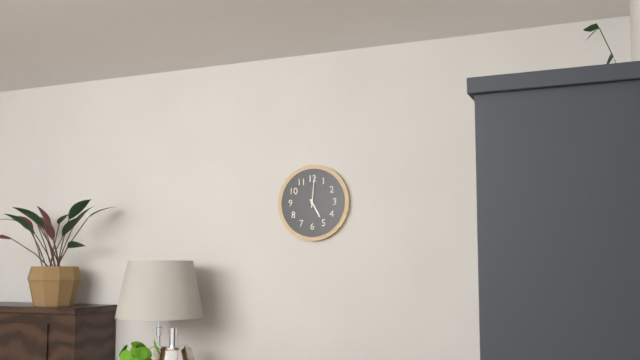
5:01
